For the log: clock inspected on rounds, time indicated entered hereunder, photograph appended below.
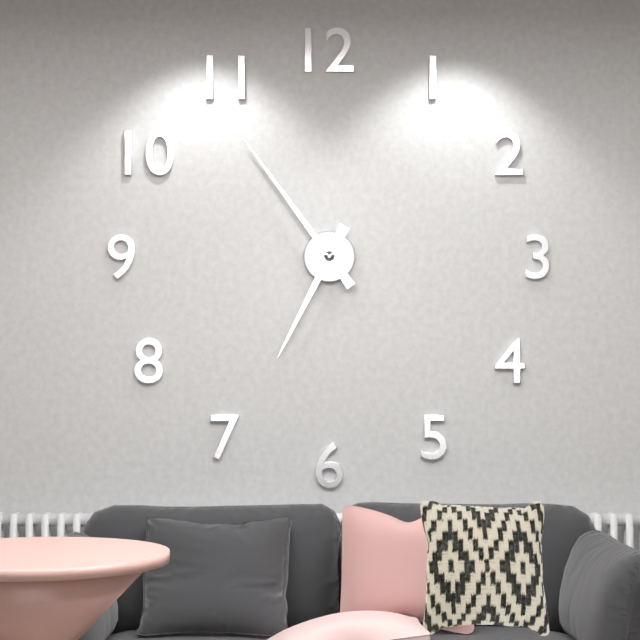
6:54
